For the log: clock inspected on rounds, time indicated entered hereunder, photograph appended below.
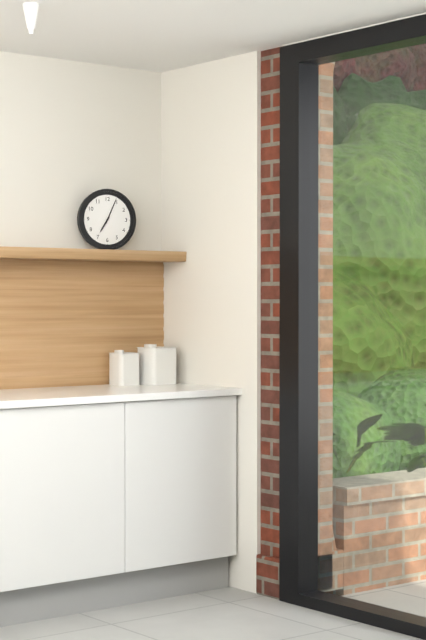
7:04
